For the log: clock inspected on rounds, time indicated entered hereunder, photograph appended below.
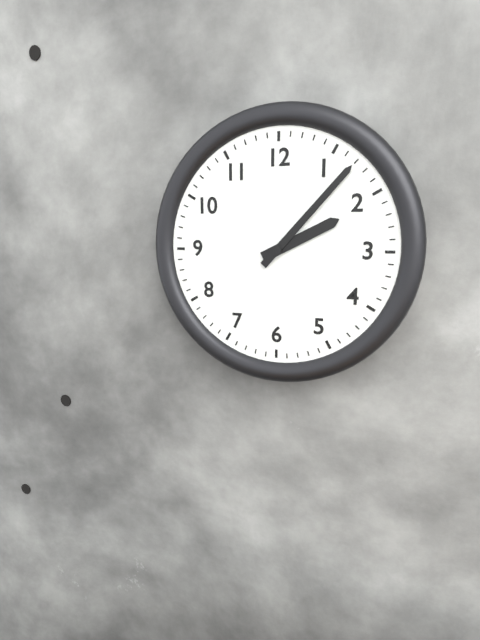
2:07
